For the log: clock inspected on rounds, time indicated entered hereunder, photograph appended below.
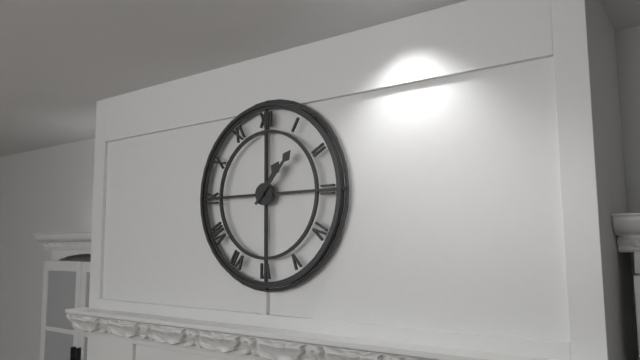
1:07
